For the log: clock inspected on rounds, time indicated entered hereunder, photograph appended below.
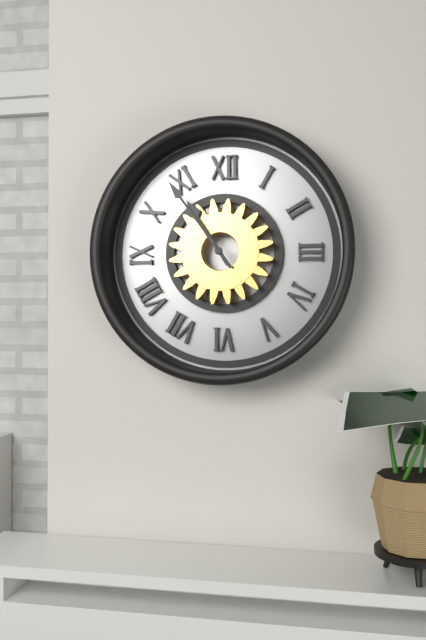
10:54
